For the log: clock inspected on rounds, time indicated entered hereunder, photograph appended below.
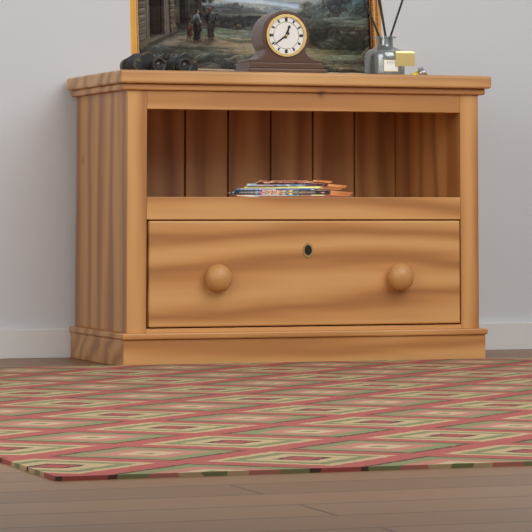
12:39
